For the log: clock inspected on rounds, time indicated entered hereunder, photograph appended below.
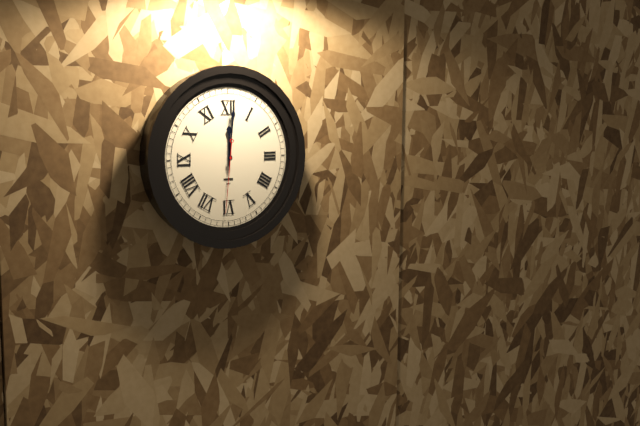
12:01:31
